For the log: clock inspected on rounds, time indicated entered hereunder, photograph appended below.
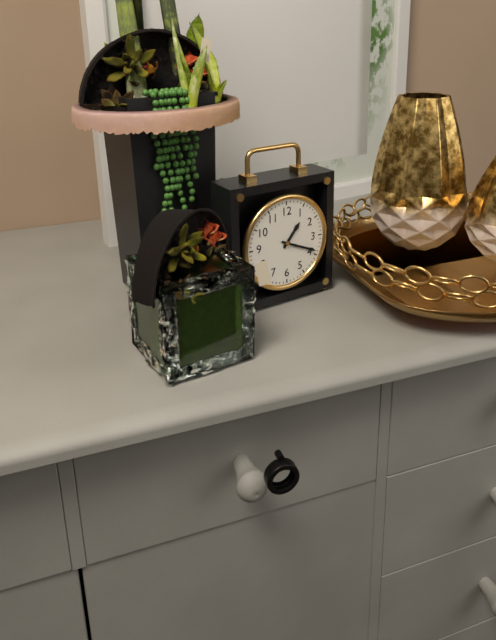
1:19
